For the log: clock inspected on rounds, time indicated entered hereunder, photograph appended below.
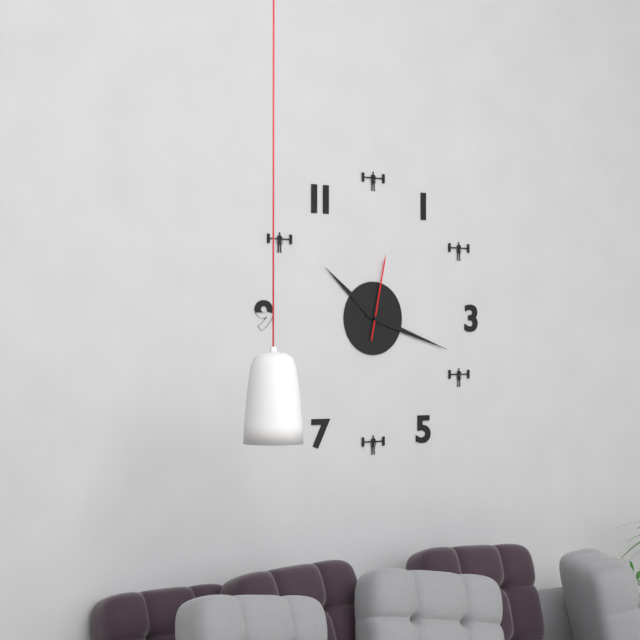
10:18:02
